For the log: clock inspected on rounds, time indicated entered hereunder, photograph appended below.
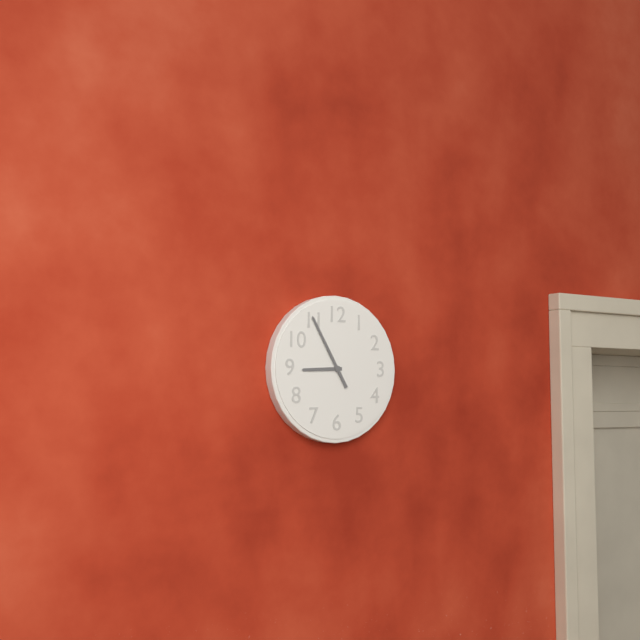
8:55
